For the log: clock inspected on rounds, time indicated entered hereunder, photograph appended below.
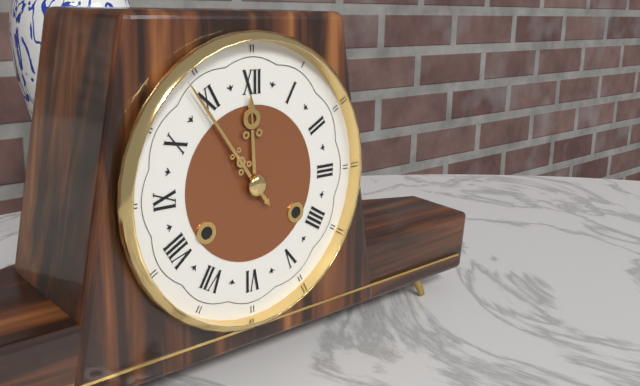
11:54
